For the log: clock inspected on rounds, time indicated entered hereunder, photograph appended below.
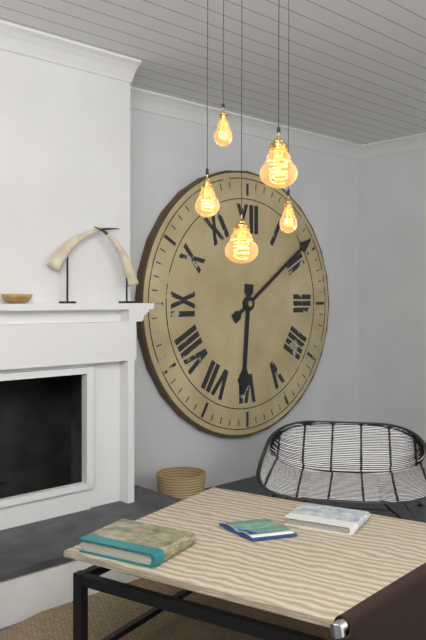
6:09
